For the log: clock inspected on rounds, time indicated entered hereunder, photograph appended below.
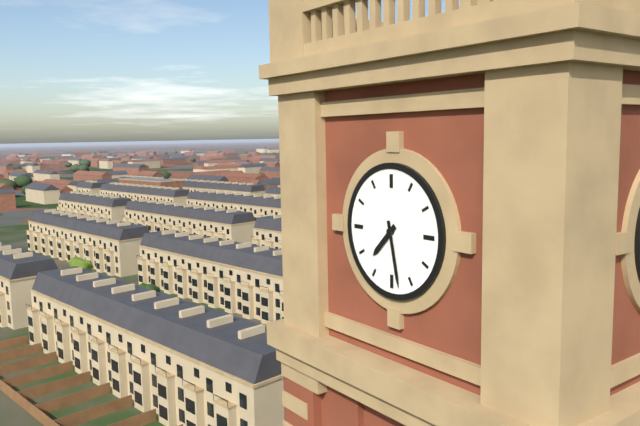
7:28
